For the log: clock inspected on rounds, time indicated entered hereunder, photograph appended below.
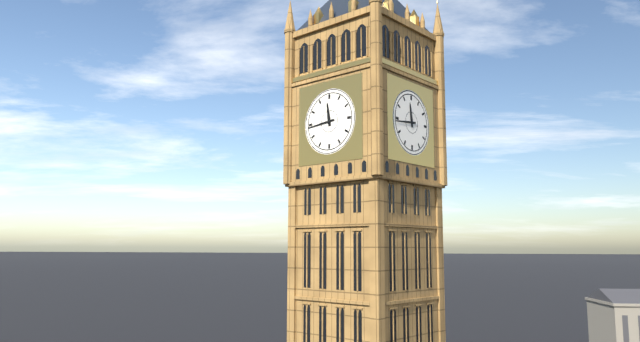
11:44
